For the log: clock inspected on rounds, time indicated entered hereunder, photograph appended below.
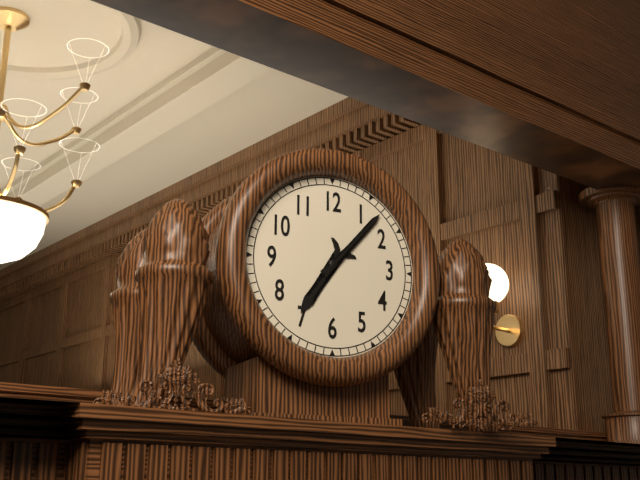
7:07
